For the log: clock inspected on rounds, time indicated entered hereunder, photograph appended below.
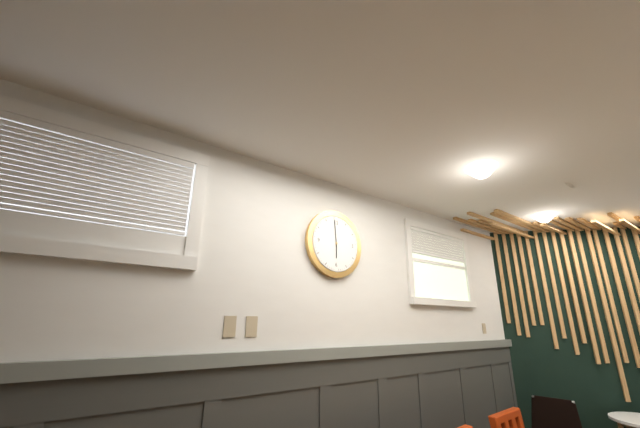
5:59
